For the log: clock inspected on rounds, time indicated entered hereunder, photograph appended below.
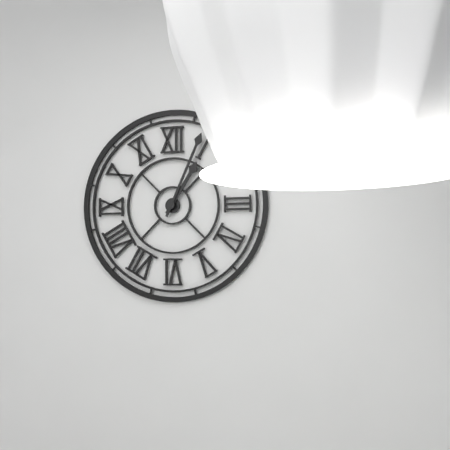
1:04
